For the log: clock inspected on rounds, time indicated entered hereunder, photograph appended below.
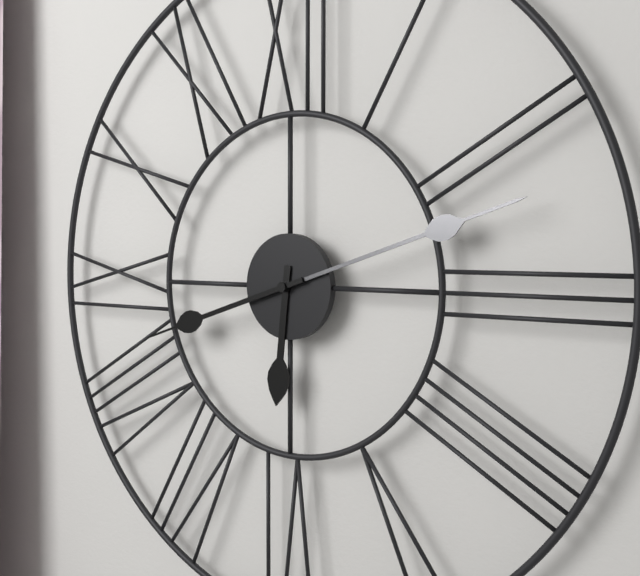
6:12:42
